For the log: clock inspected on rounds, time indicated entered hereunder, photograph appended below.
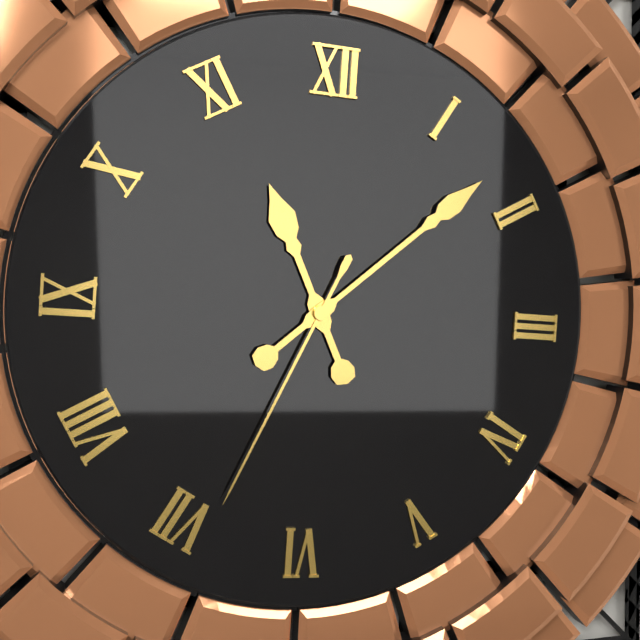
11:08:34
